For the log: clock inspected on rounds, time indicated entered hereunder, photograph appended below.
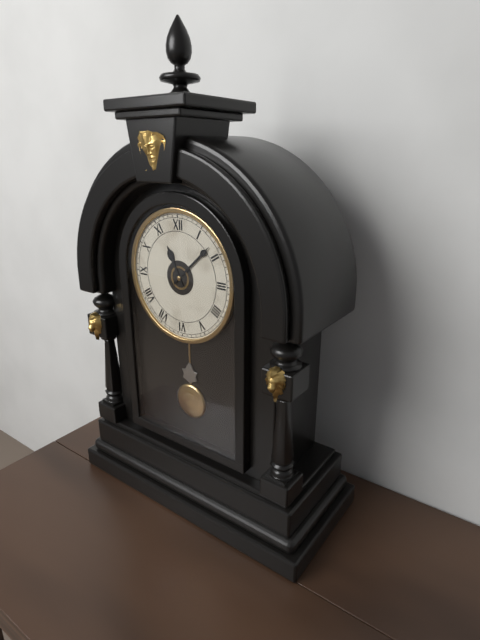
11:08
